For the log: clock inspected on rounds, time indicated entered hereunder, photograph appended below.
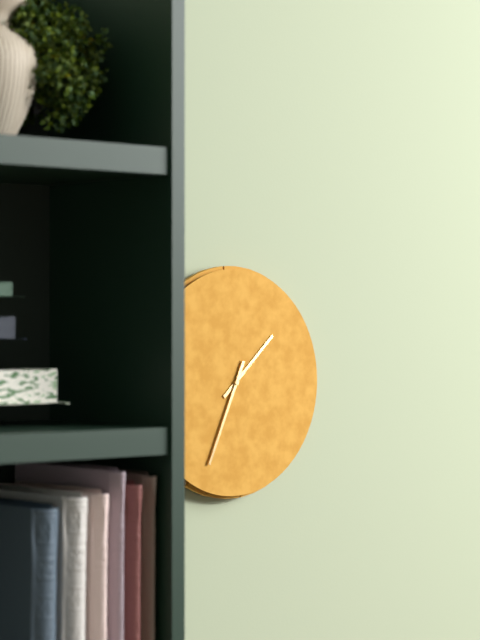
1:34
